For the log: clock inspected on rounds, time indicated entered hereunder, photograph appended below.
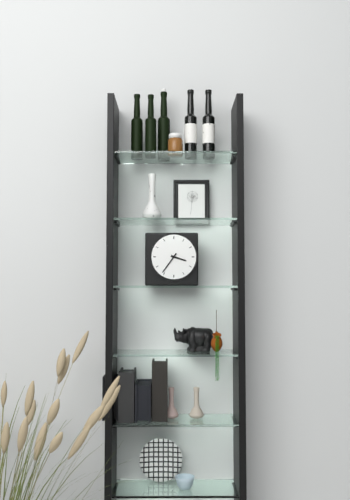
3:36
